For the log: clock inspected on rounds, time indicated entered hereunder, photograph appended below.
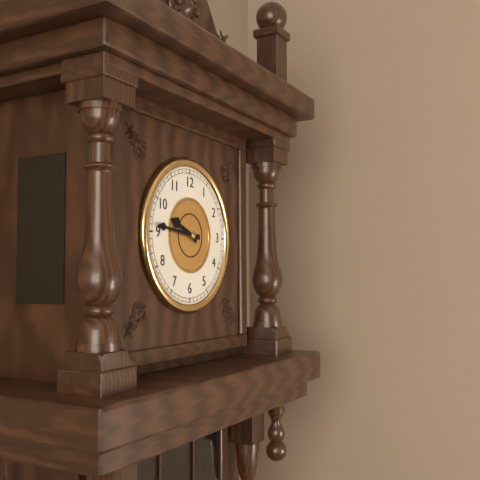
9:46
